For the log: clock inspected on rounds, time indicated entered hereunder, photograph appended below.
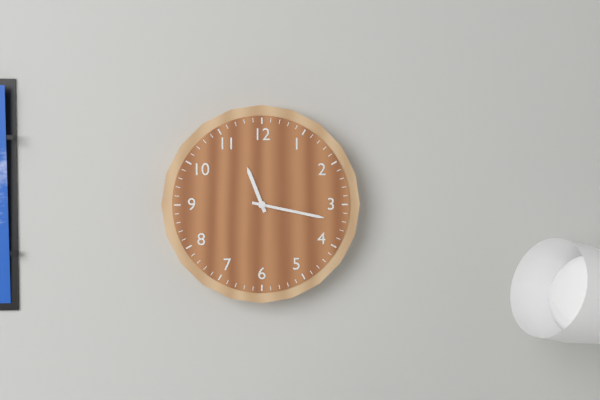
11:17
